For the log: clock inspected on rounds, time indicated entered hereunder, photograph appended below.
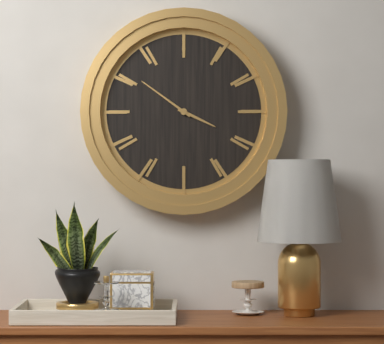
3:51
